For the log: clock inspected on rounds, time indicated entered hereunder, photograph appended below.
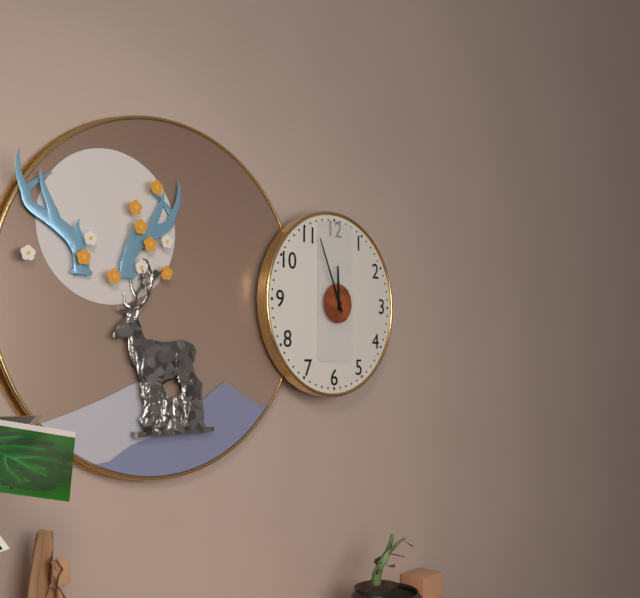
11:56
